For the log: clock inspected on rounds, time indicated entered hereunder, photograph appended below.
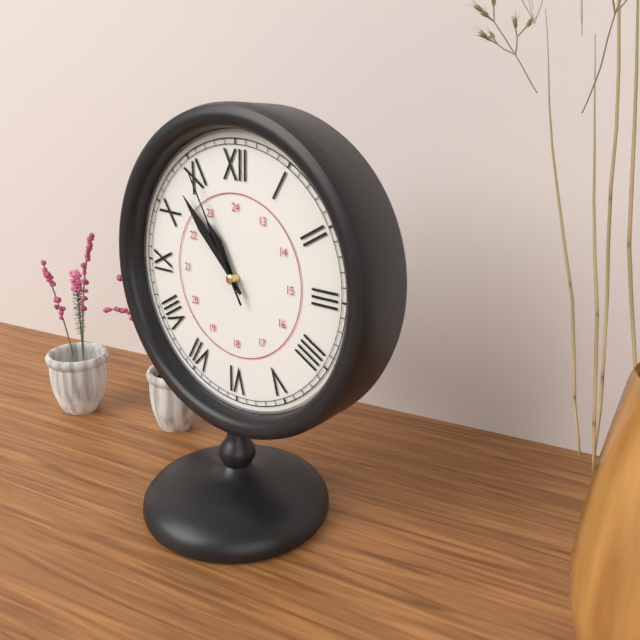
10:53:55
